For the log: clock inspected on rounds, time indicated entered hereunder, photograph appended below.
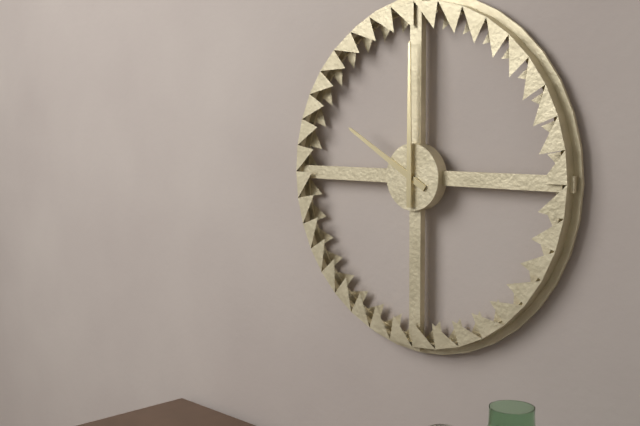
10:00
